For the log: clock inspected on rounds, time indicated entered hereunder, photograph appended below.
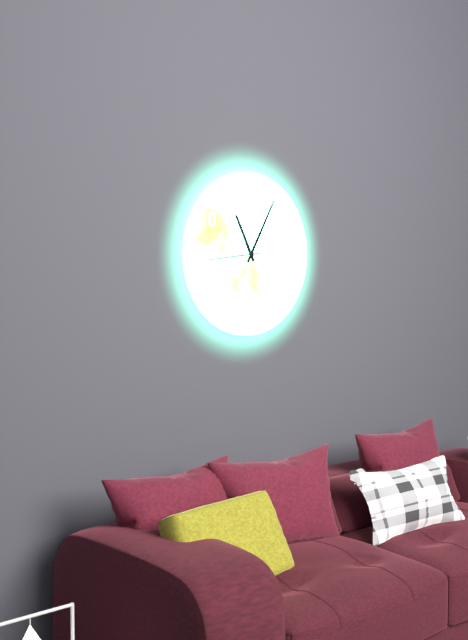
11:05:44
